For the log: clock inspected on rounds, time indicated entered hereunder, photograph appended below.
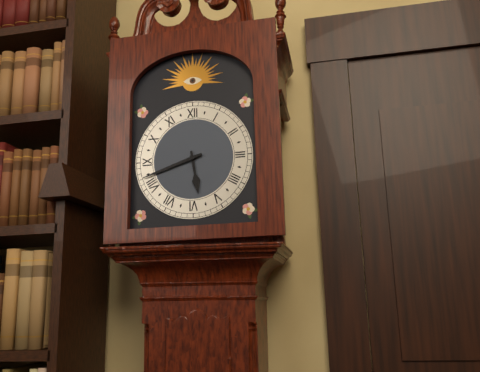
5:42
